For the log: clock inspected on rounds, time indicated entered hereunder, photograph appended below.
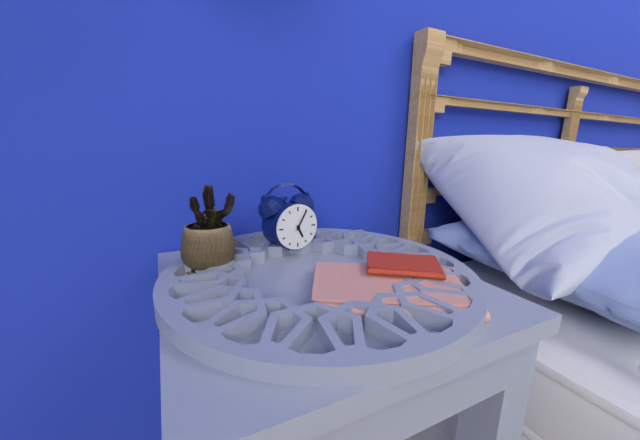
5:05
